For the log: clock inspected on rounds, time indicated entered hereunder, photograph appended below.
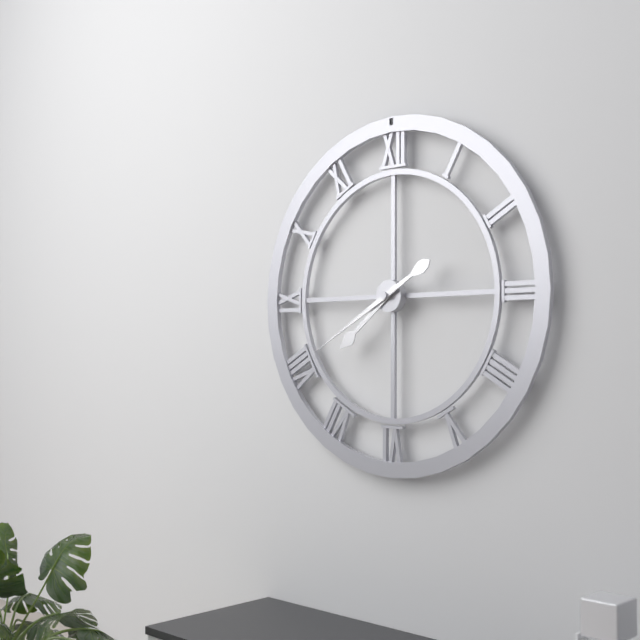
7:40
